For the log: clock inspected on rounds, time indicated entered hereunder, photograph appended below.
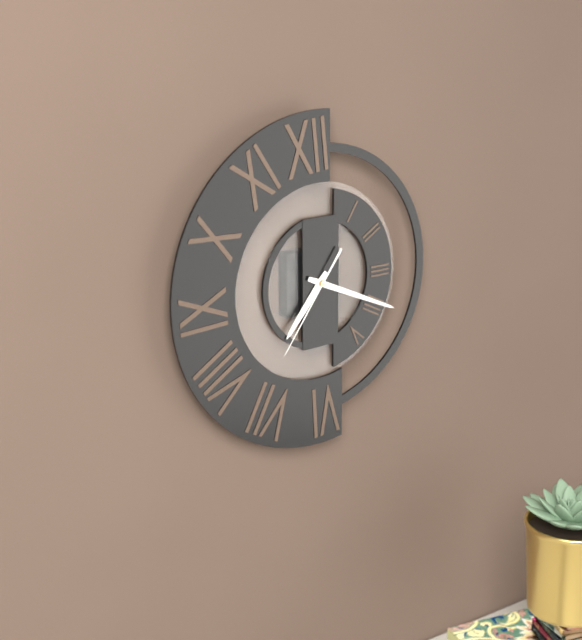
7:19:36
